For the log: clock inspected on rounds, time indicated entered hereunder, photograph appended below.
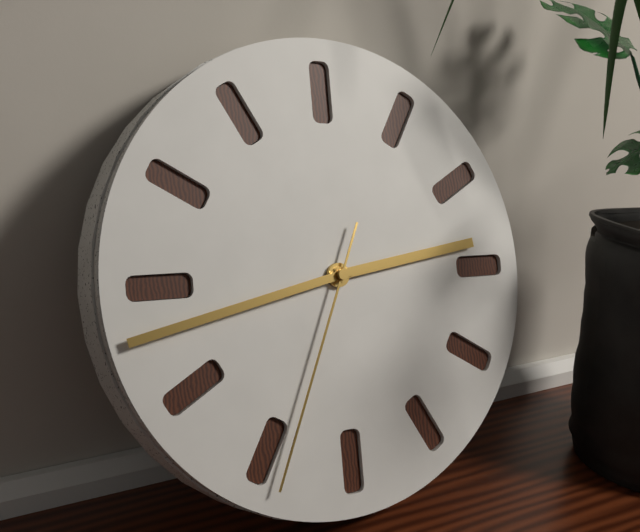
2:43:34
